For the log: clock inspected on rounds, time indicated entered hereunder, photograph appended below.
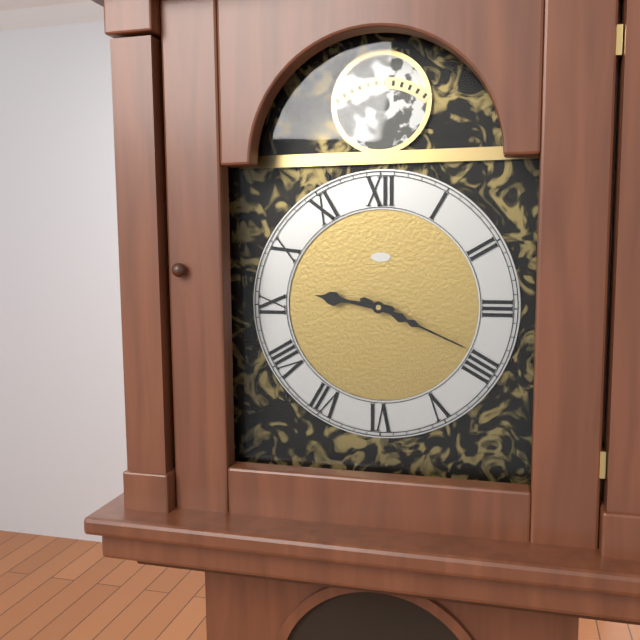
9:19
